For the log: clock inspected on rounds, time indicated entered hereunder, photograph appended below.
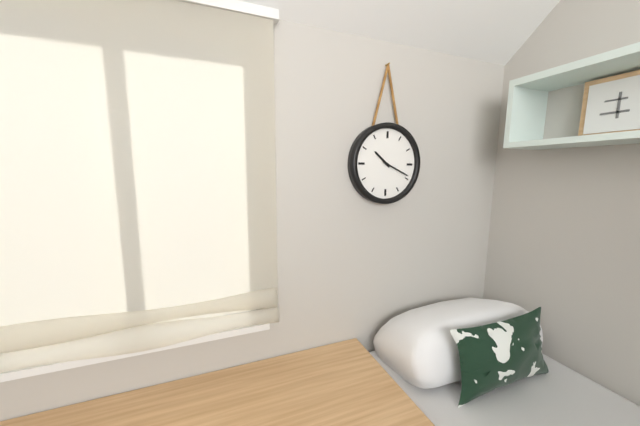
10:19
